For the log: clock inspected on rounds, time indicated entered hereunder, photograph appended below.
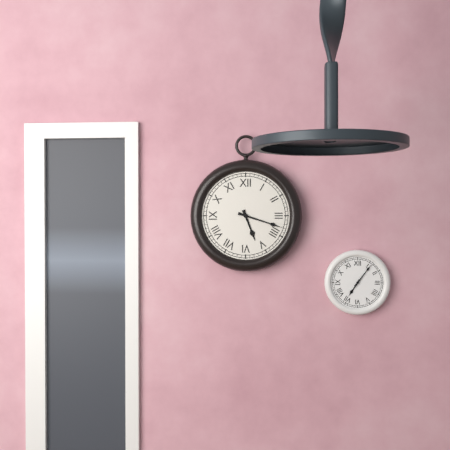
5:18
